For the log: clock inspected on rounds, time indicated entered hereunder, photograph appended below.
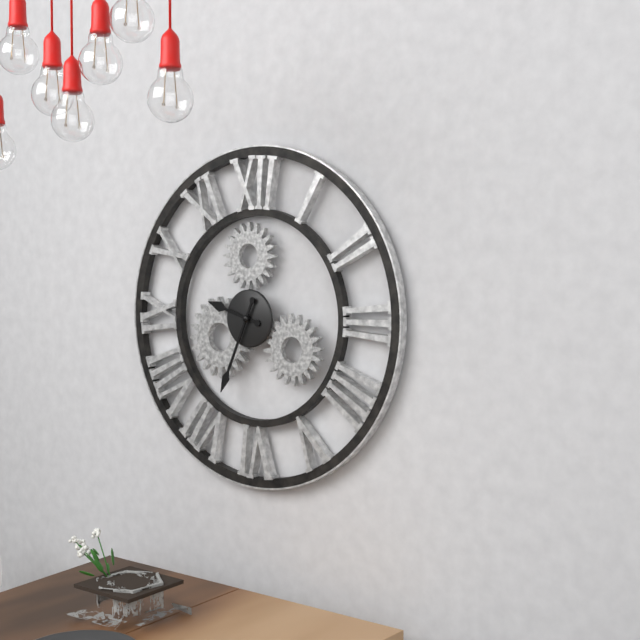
9:34
